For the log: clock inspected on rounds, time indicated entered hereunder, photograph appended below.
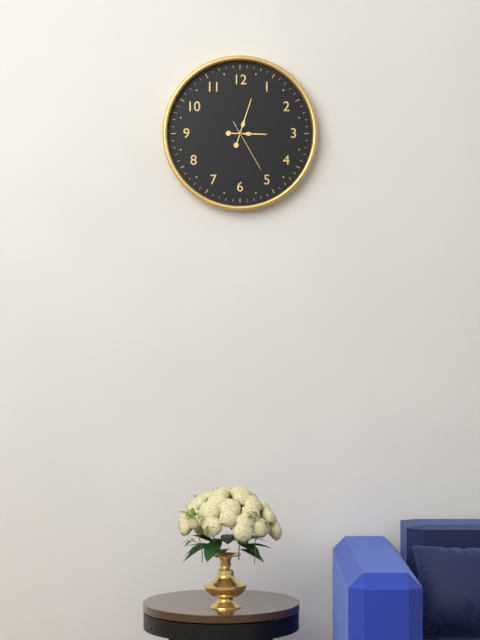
3:03:25
